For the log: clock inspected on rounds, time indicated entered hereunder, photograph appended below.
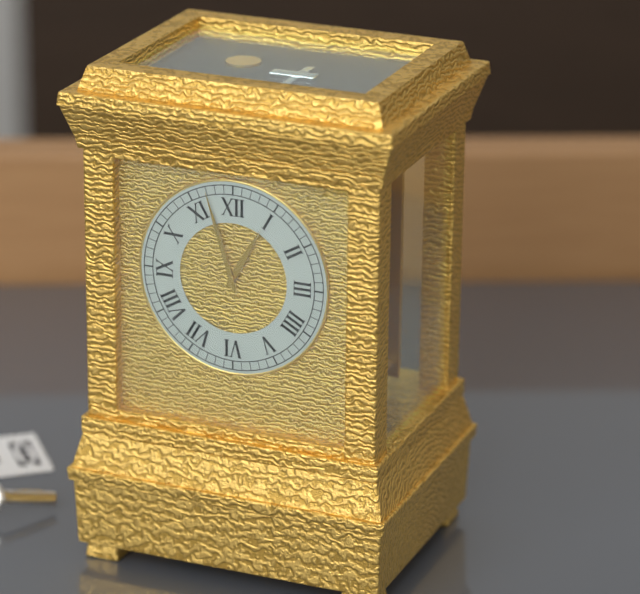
12:57
